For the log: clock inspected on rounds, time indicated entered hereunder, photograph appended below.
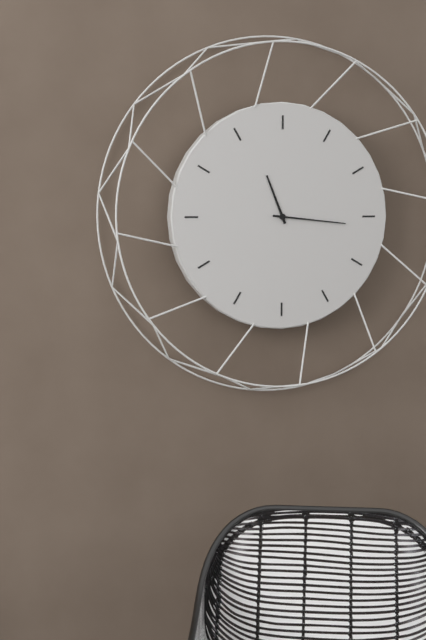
11:16
